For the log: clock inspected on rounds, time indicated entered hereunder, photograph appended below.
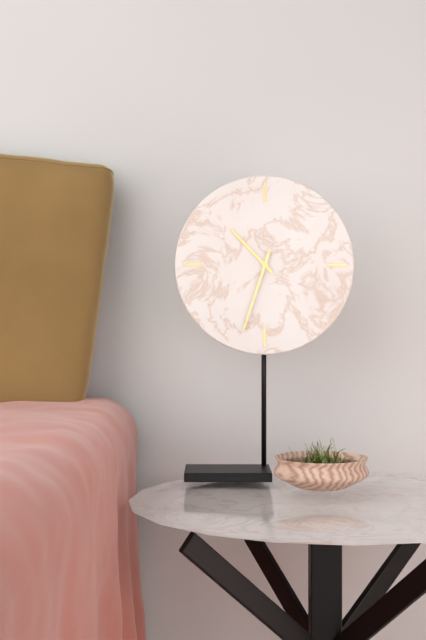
10:33
